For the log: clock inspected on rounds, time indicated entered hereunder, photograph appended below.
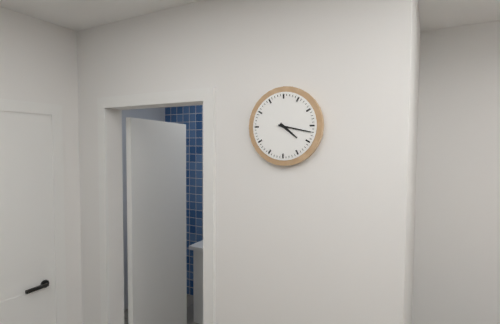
4:17
